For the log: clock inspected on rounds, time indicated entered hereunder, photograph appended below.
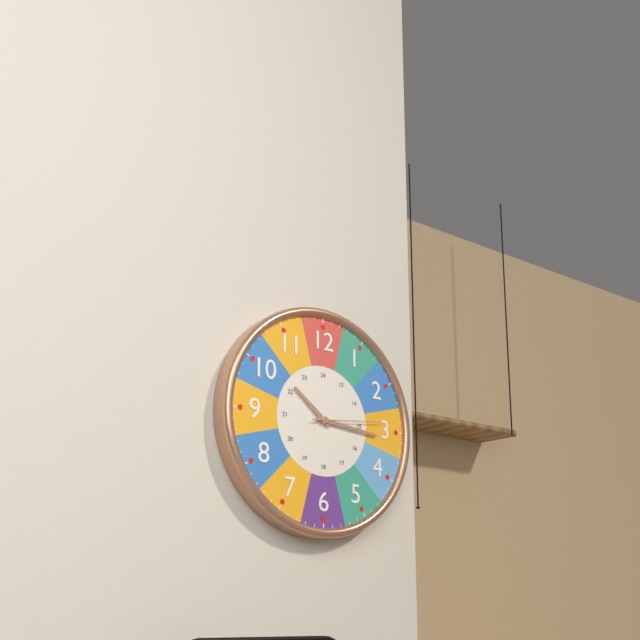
10:16:14
